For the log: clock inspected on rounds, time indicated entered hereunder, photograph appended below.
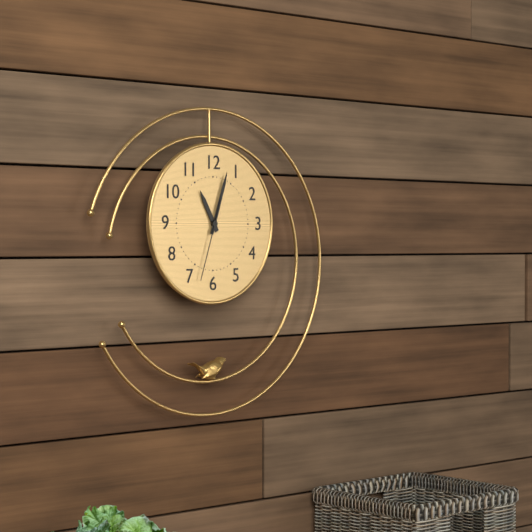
11:03:33
